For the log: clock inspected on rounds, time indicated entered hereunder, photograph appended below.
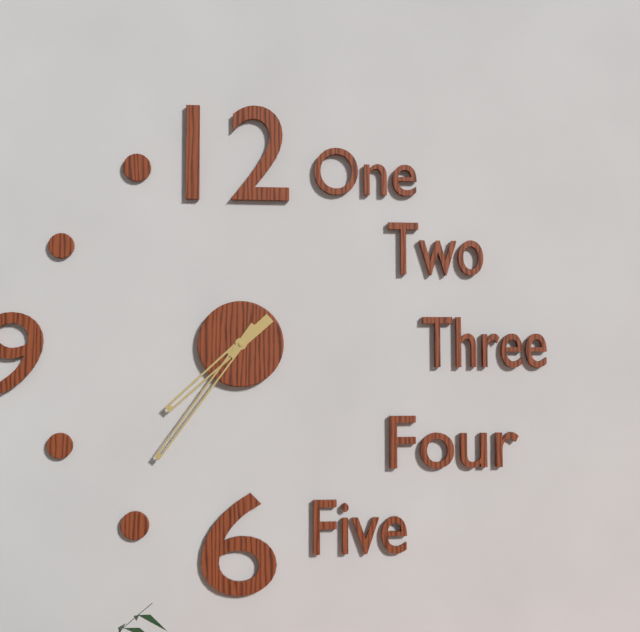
7:36
